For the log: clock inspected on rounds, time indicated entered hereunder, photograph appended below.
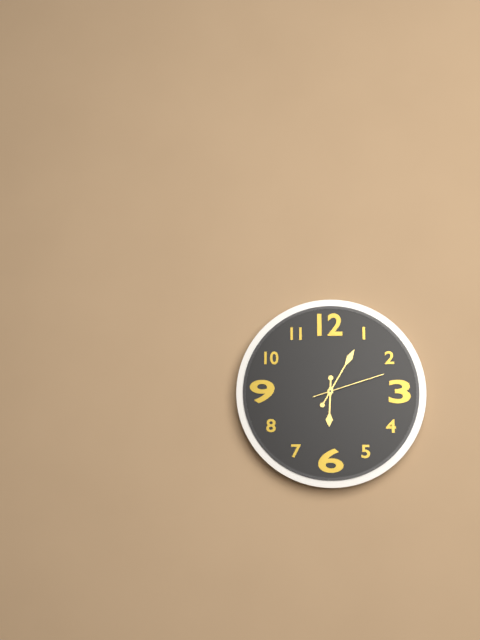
6:05:12
